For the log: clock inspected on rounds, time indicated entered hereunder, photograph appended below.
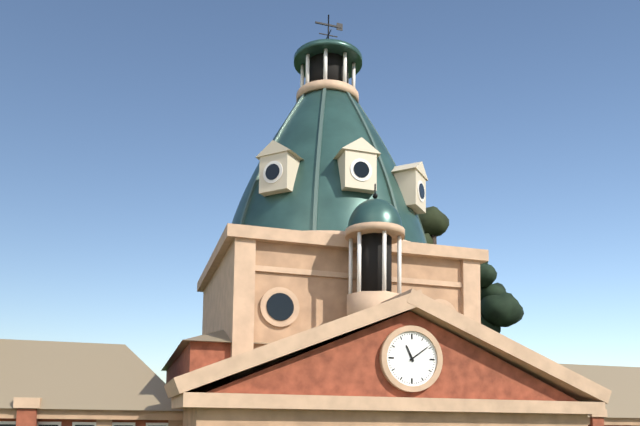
11:09
